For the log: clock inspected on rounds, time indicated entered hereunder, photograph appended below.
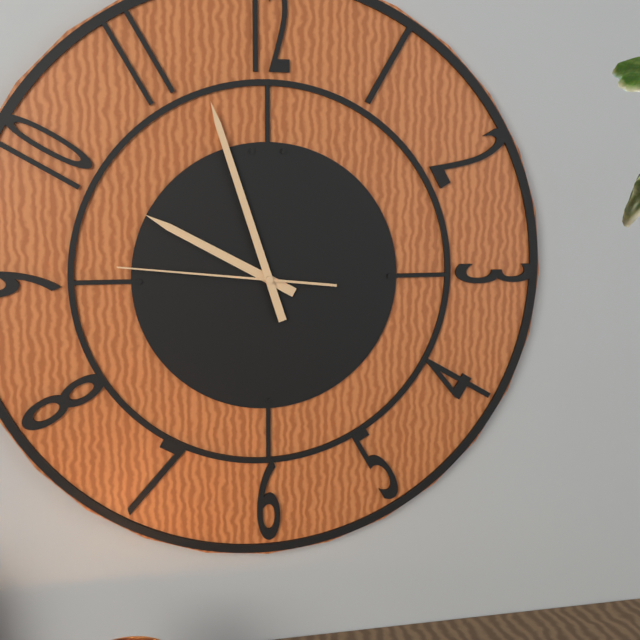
9:57:46
